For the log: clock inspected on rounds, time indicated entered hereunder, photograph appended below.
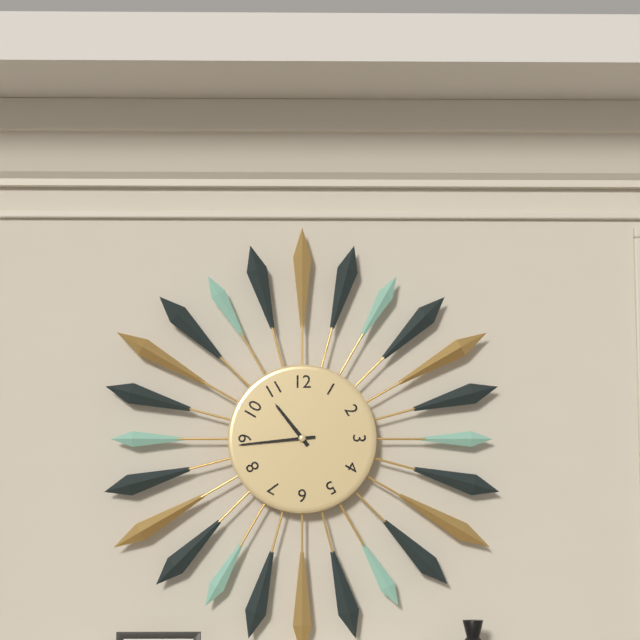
10:44
